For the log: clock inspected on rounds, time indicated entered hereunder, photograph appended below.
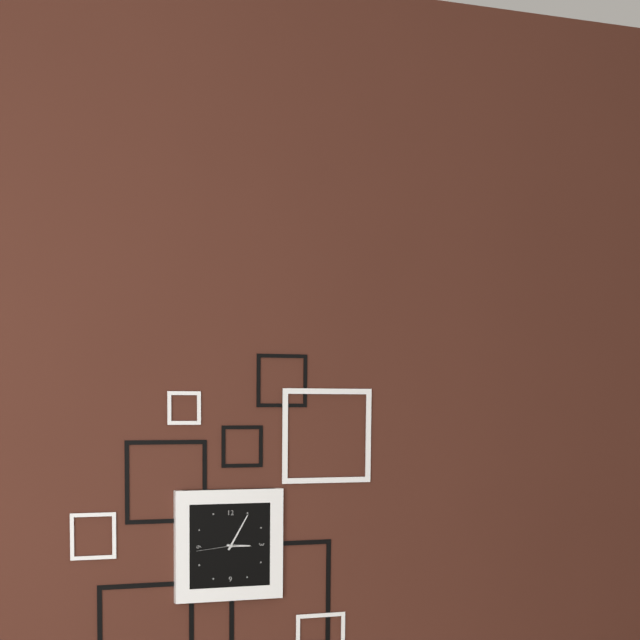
3:05
